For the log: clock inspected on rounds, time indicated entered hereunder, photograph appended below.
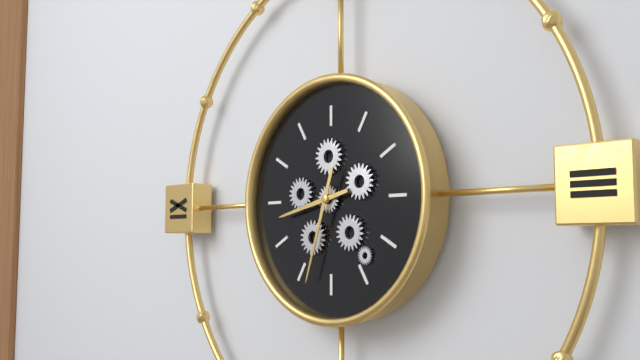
8:33
